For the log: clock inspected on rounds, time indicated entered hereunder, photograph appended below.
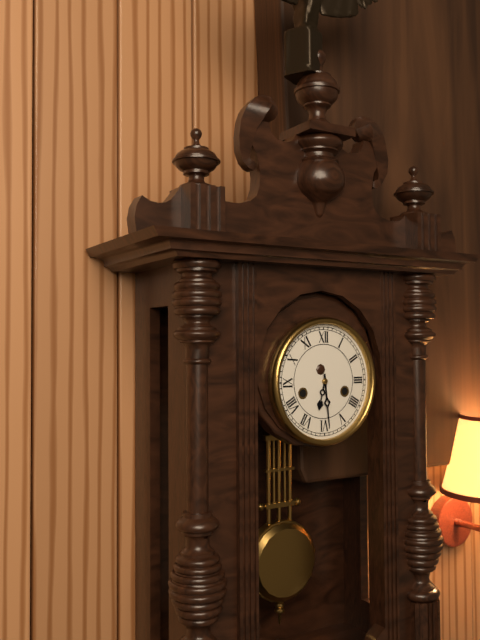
6:29
